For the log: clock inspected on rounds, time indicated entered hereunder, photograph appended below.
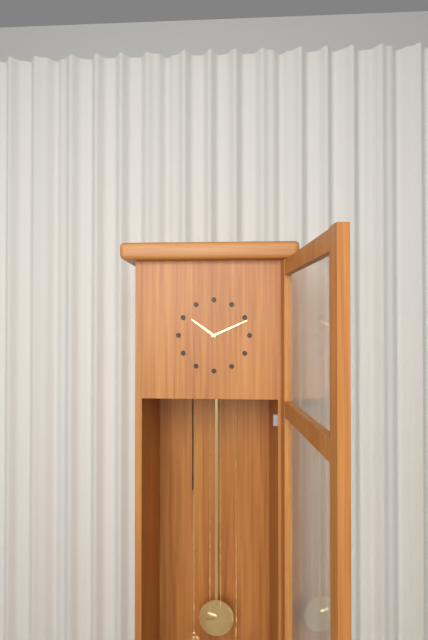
10:11
